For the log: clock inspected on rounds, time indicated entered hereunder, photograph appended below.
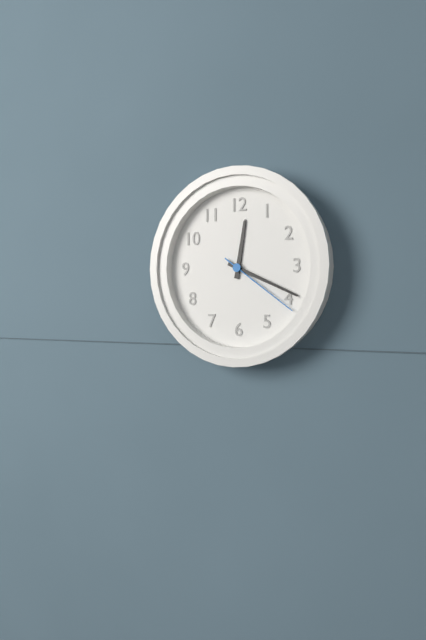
12:19:21
